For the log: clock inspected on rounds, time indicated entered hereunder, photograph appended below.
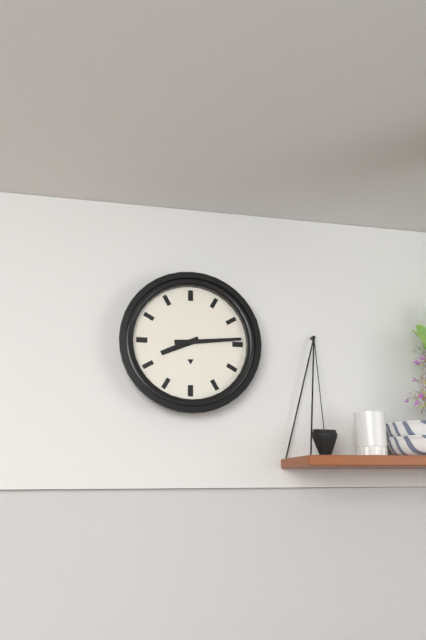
8:14
